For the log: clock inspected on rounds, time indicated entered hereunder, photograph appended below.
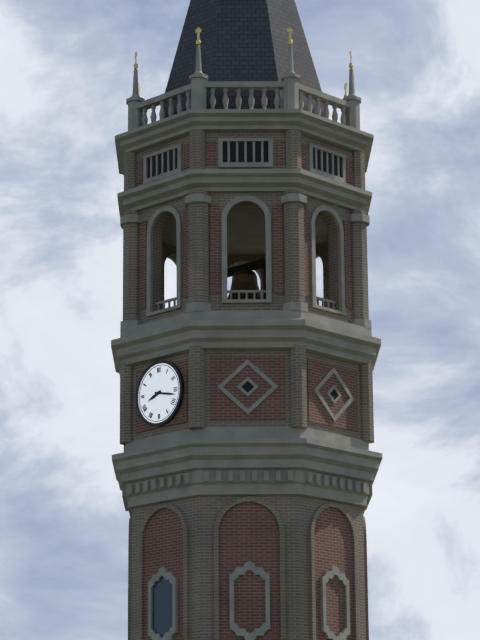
8:17
